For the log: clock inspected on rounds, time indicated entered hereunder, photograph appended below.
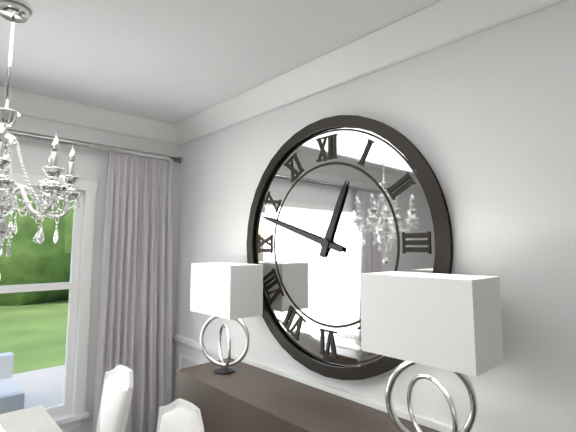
12:48
